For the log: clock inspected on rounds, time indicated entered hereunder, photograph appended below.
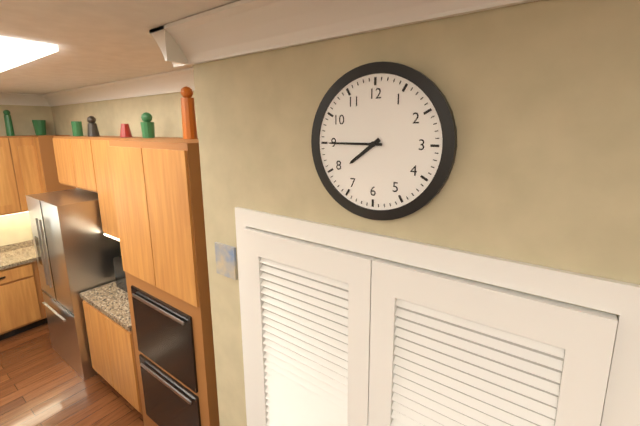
7:45
